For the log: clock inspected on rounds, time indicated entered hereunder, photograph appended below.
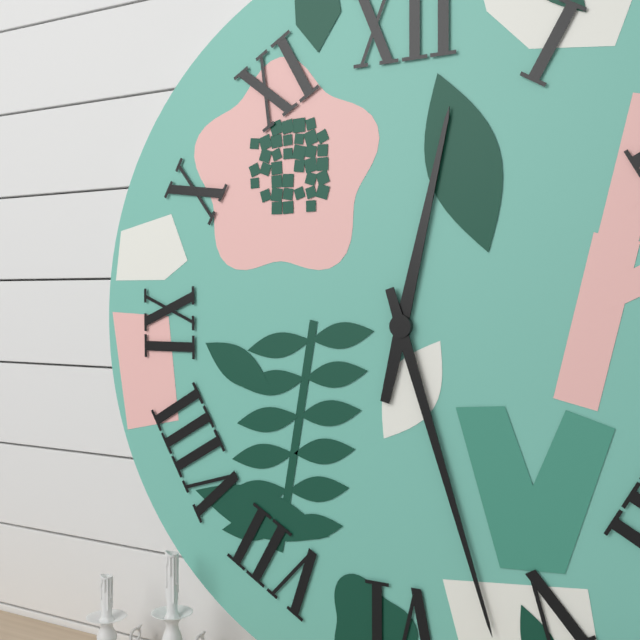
12:27
